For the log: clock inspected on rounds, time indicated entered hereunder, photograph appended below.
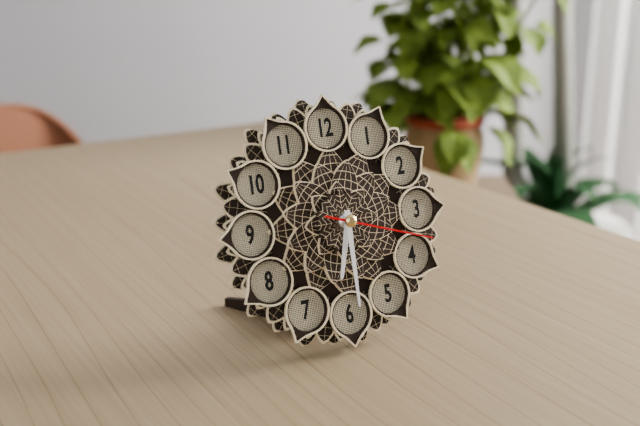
6:30:18
